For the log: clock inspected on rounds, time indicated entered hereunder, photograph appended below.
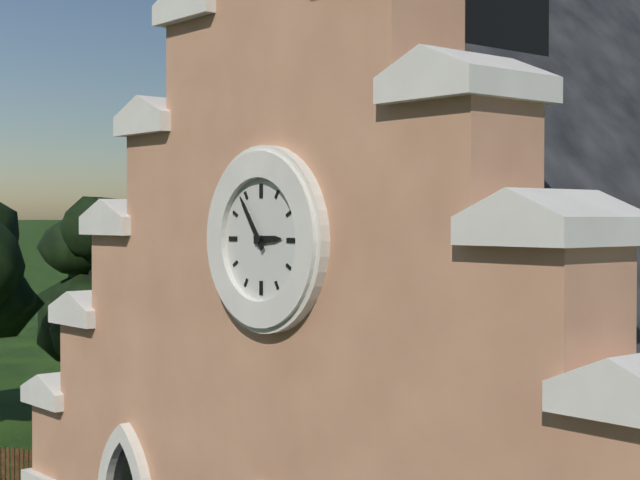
2:54
